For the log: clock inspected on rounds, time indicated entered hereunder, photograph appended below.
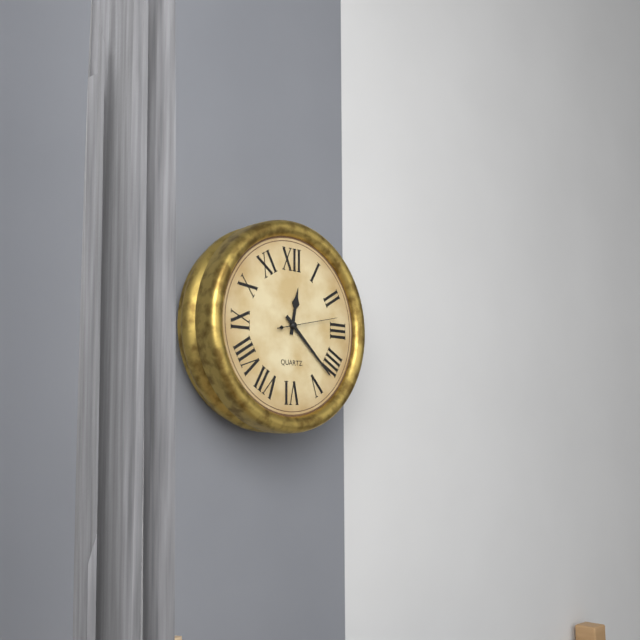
12:22:13
